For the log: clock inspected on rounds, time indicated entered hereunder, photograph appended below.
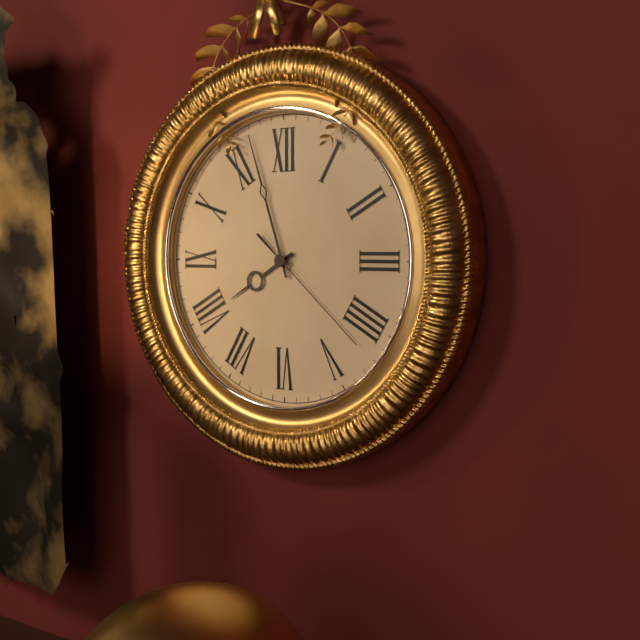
7:57:22
